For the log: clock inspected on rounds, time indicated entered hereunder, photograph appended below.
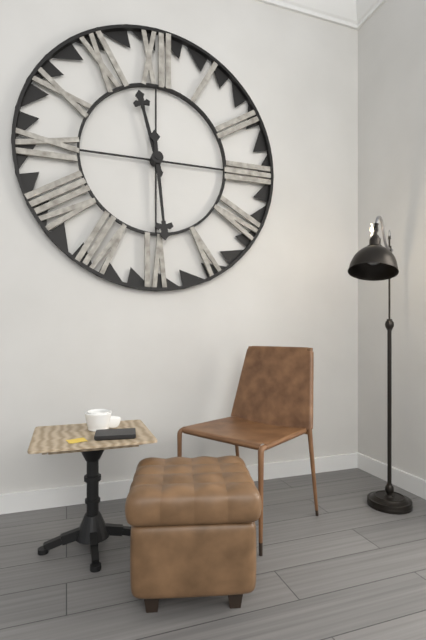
11:29
